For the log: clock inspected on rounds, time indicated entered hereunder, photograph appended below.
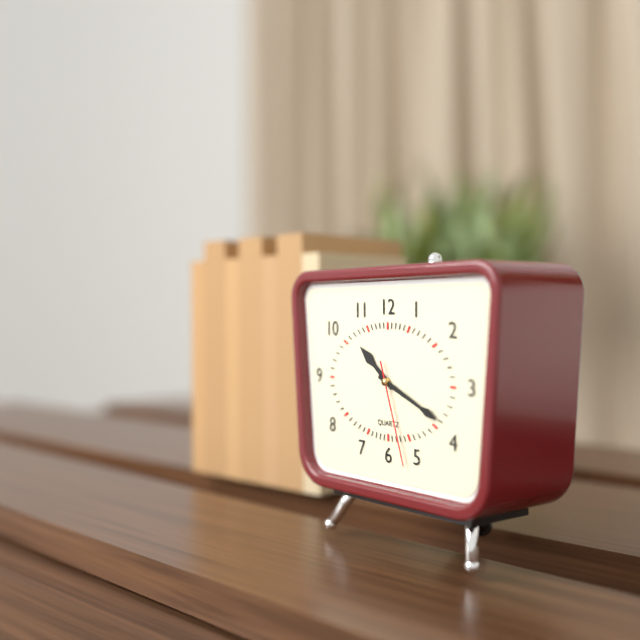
10:19:27
